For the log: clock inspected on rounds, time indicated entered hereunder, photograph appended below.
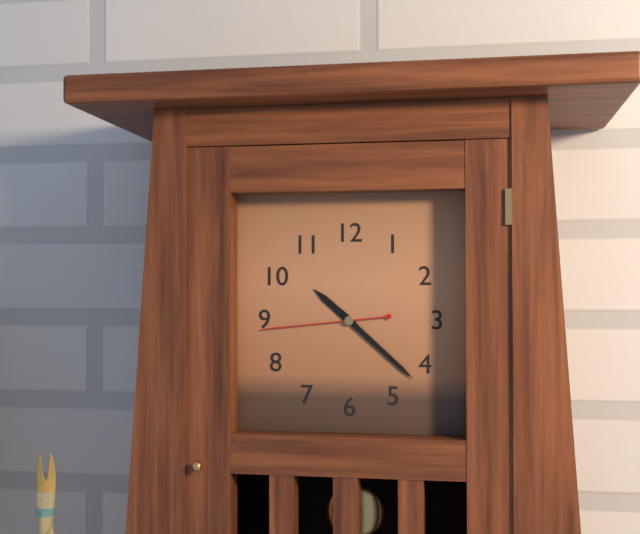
10:22:44
